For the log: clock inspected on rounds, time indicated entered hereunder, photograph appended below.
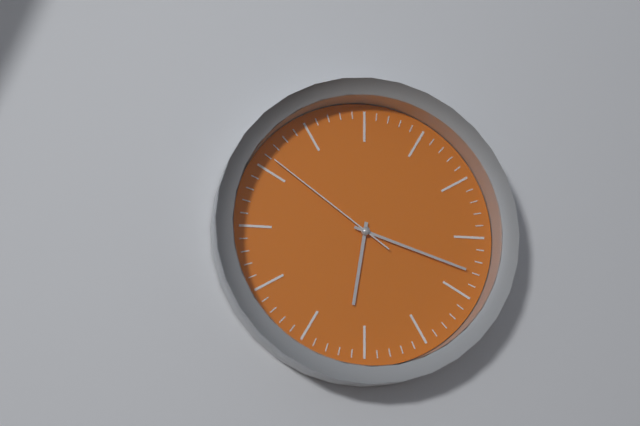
6:18:51
